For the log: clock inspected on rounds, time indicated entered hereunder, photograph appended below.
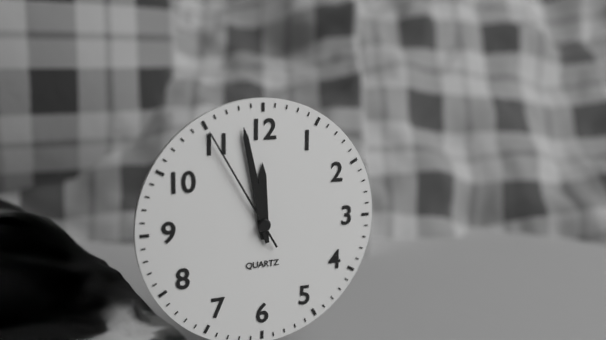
11:58:55
